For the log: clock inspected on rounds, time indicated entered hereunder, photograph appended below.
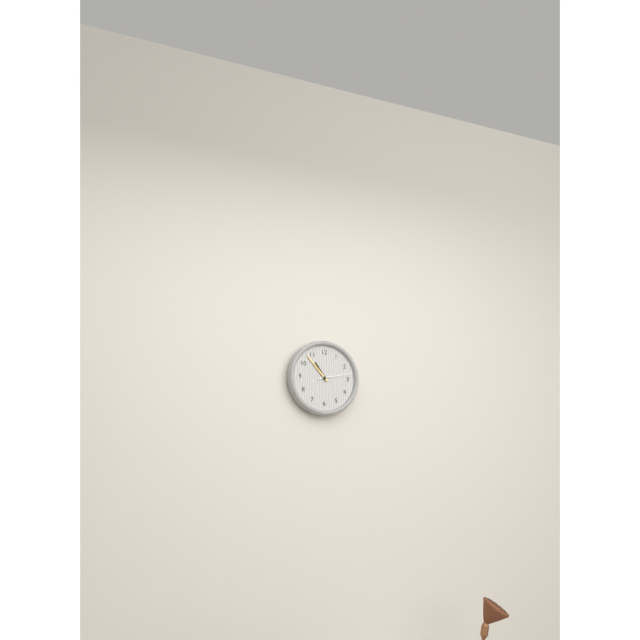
10:53
